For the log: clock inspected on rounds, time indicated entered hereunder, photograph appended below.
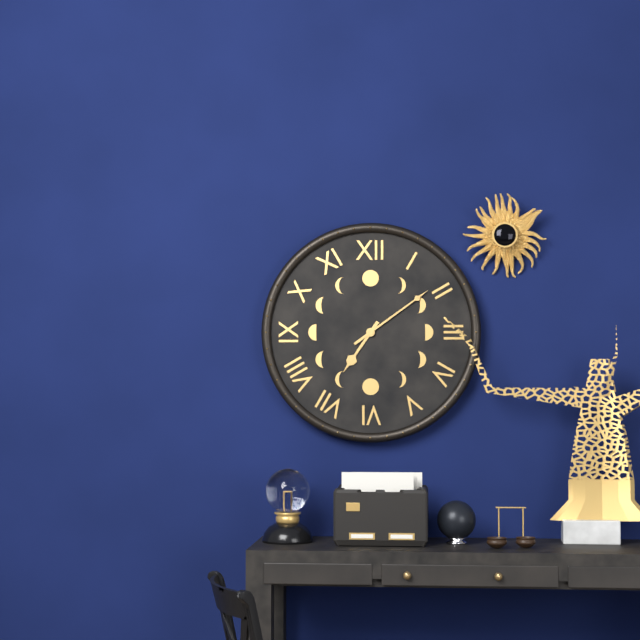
7:09
